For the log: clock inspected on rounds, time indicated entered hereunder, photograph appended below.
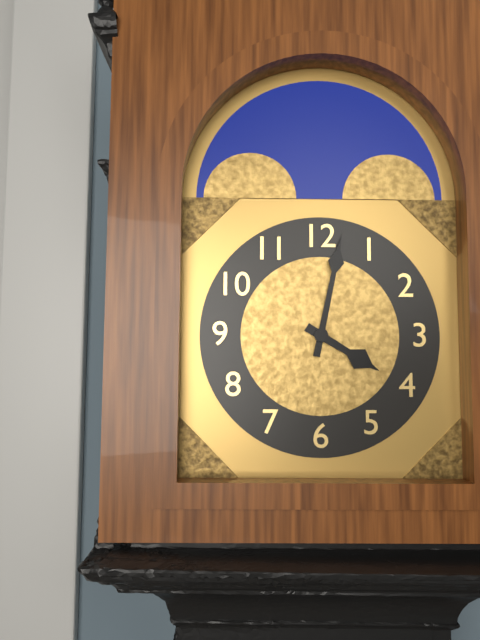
4:02
